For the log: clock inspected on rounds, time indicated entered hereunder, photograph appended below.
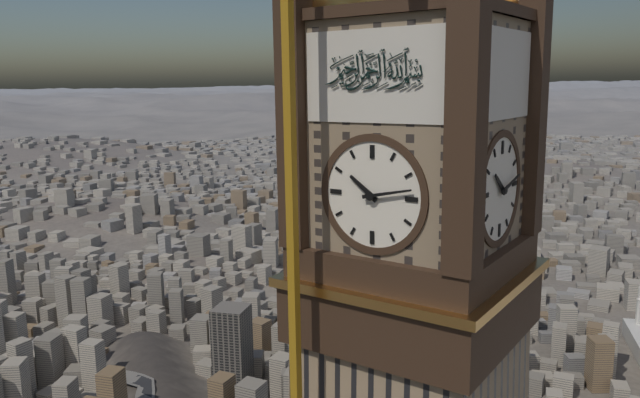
10:13
